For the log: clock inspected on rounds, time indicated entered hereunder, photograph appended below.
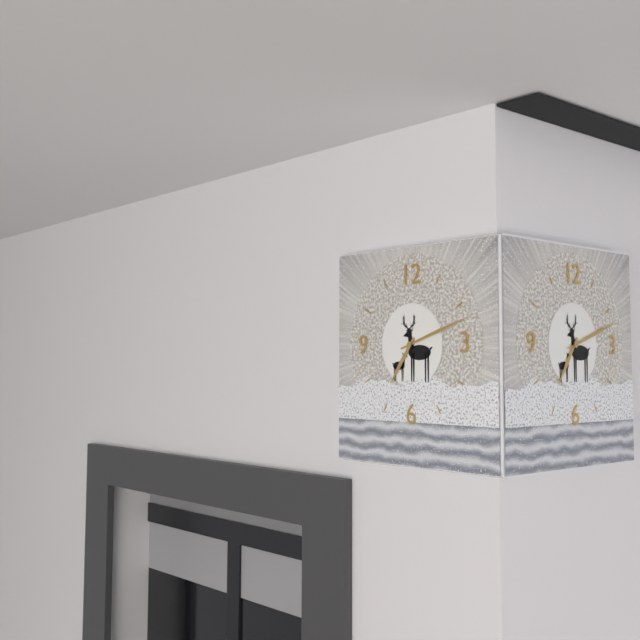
7:12
